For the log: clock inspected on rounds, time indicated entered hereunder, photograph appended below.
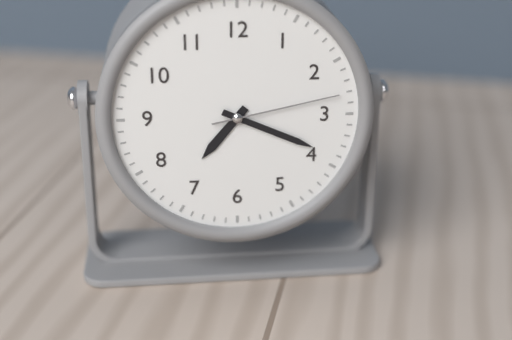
7:19:13
